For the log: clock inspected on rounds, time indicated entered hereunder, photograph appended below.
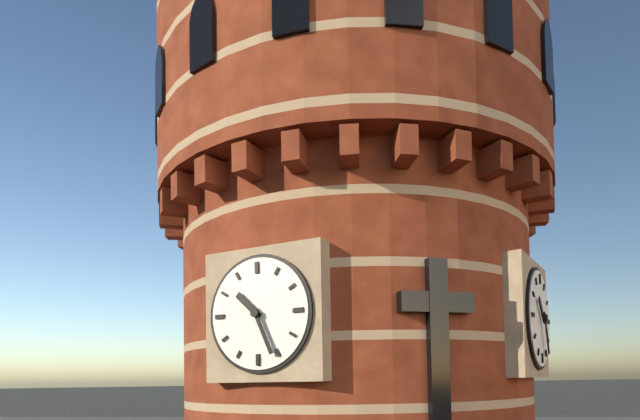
10:26
